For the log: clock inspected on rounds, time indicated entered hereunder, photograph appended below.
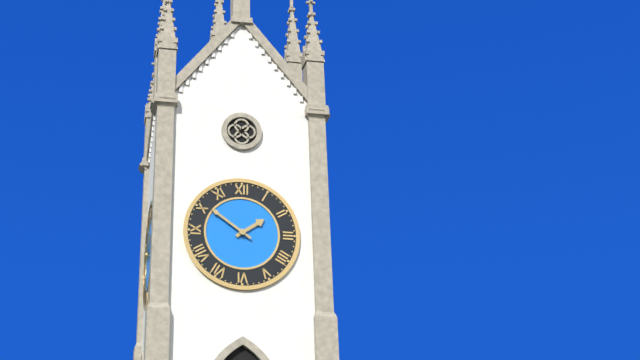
1:51
